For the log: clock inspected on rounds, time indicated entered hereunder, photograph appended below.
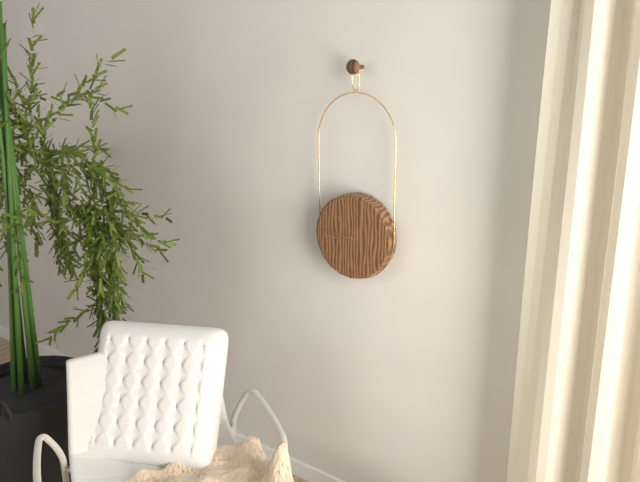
8:46
